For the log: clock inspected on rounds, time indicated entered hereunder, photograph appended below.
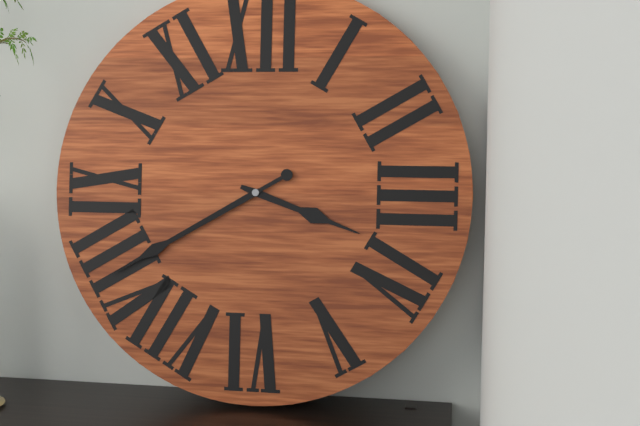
3:40
